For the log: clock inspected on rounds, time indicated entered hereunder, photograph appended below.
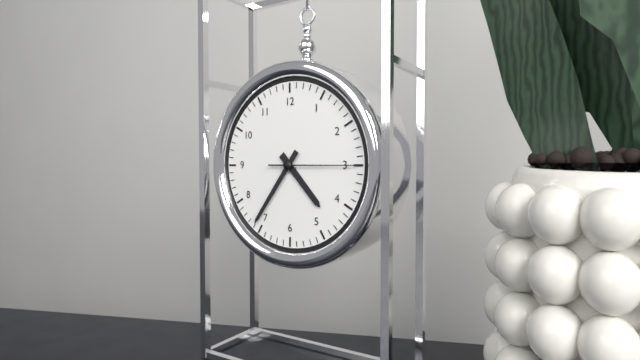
4:36:15
